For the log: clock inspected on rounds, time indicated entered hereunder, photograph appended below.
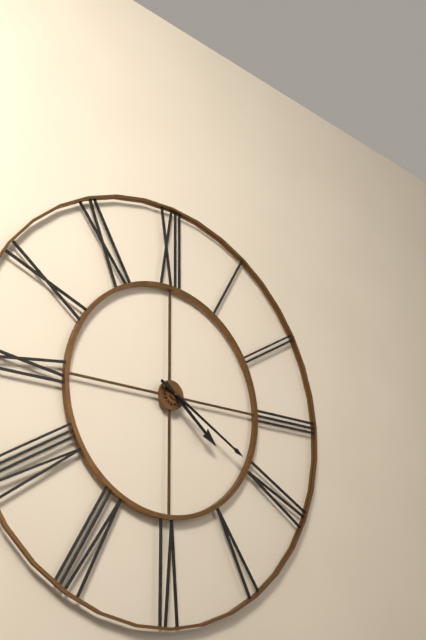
4:20
